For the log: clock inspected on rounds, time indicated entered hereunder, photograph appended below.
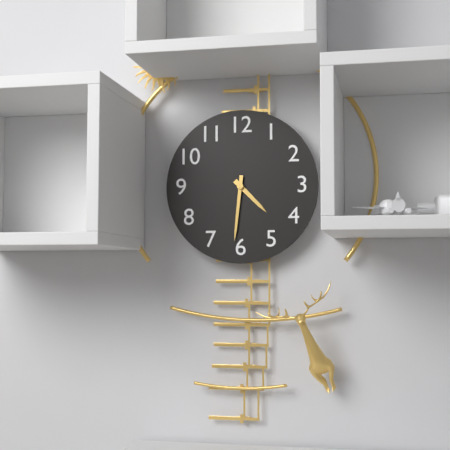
4:31
